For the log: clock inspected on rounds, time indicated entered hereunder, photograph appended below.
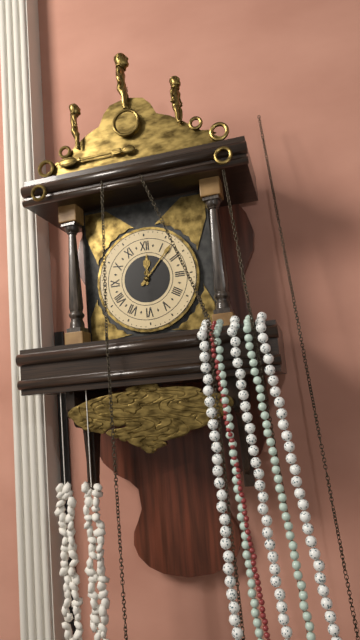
12:07
